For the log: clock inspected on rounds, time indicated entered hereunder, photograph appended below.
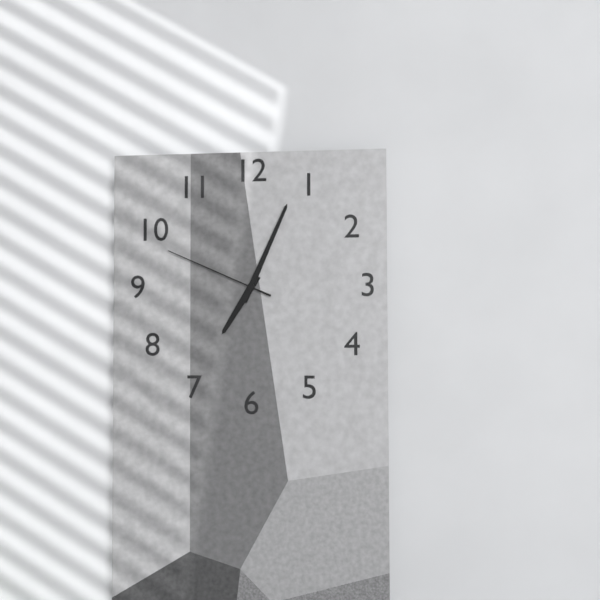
7:04:49
